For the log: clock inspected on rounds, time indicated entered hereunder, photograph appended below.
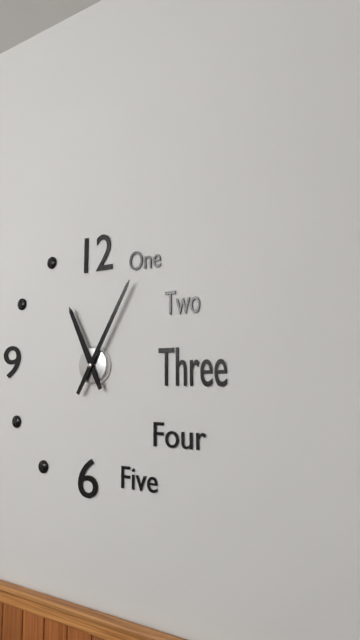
11:05
